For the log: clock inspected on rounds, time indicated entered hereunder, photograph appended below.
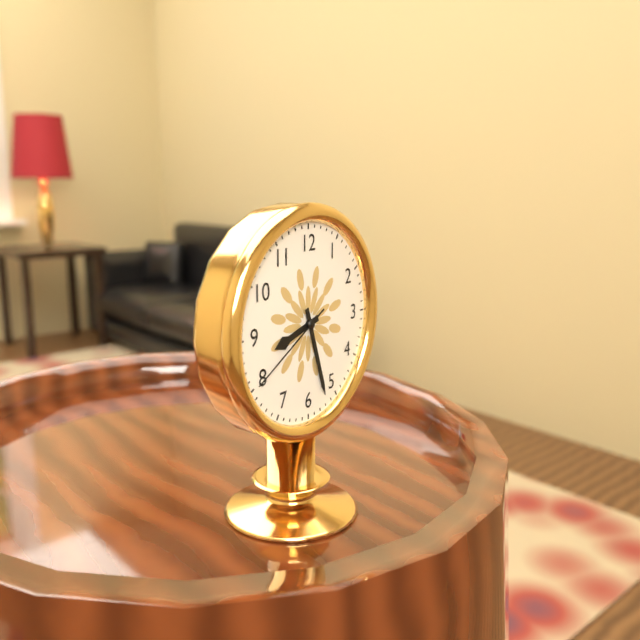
8:27:40
